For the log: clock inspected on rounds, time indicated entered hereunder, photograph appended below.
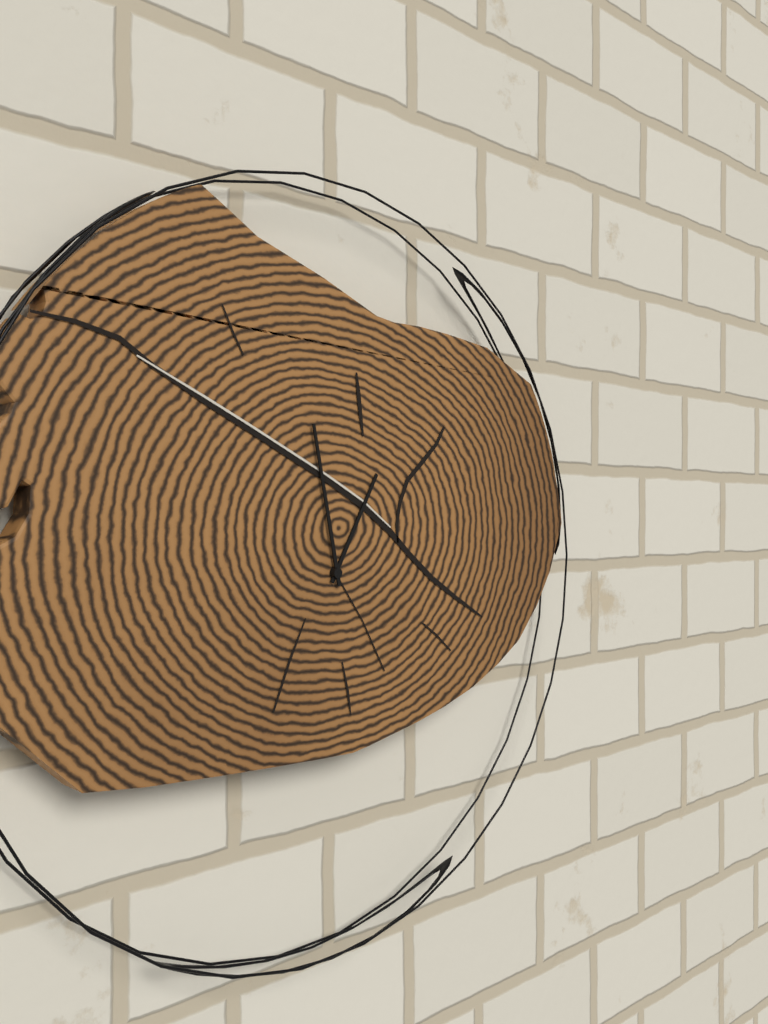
12:58
